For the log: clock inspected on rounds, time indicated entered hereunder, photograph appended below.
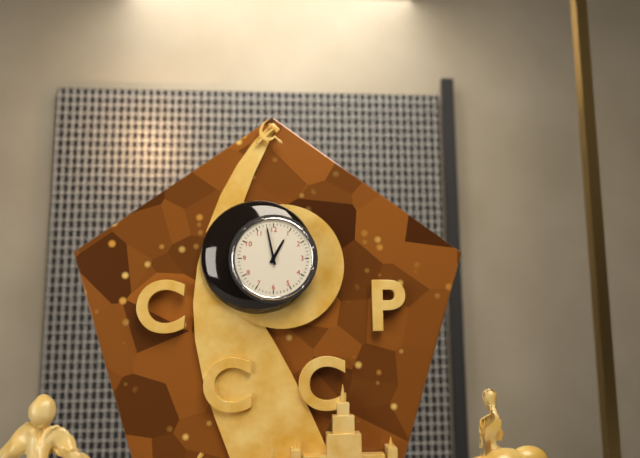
12:58
